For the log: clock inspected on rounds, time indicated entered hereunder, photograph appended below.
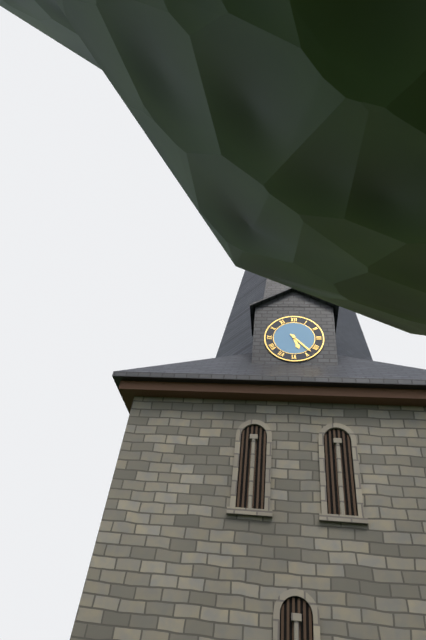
5:23
